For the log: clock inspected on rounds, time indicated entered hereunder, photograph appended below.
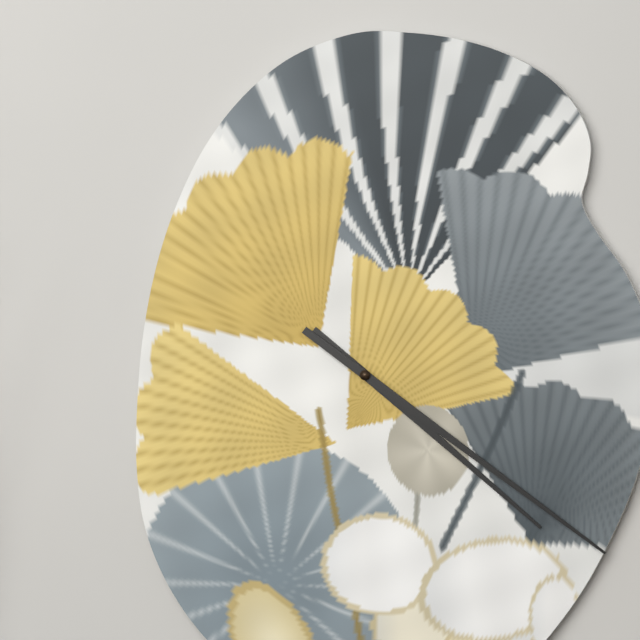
4:21
